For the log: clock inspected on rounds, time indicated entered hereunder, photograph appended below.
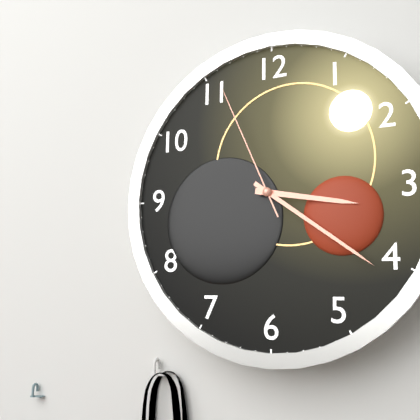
3:21:56
